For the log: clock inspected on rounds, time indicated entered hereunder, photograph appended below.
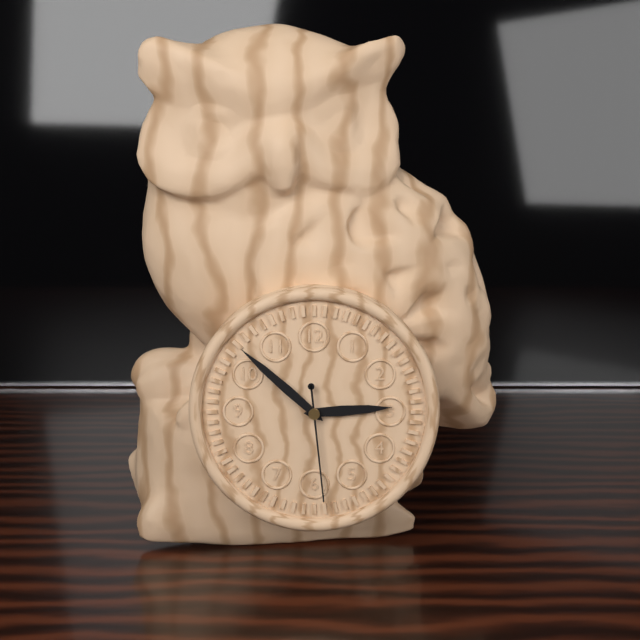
2:52:29
